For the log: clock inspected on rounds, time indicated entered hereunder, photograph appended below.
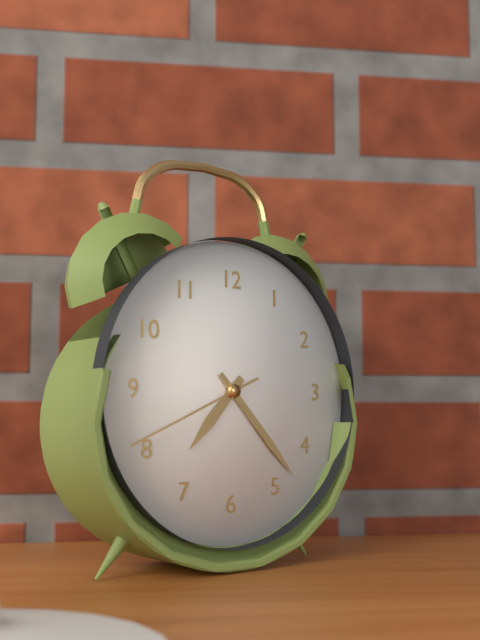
7:23:41
